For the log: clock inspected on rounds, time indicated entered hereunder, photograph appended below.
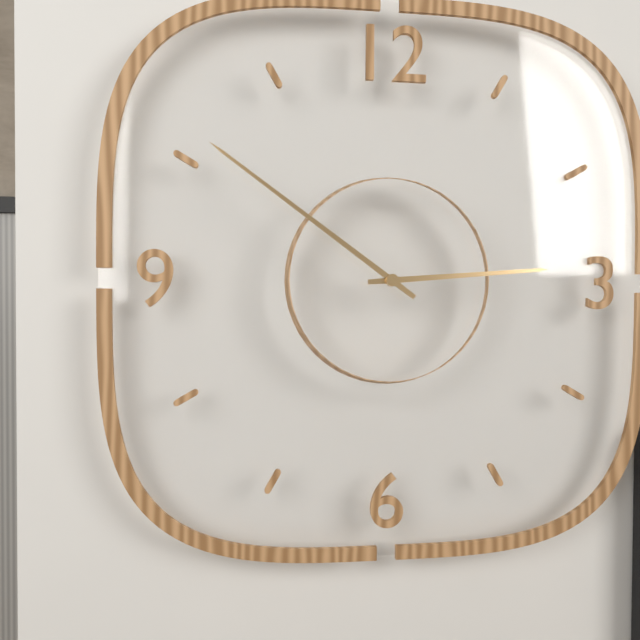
2:51
